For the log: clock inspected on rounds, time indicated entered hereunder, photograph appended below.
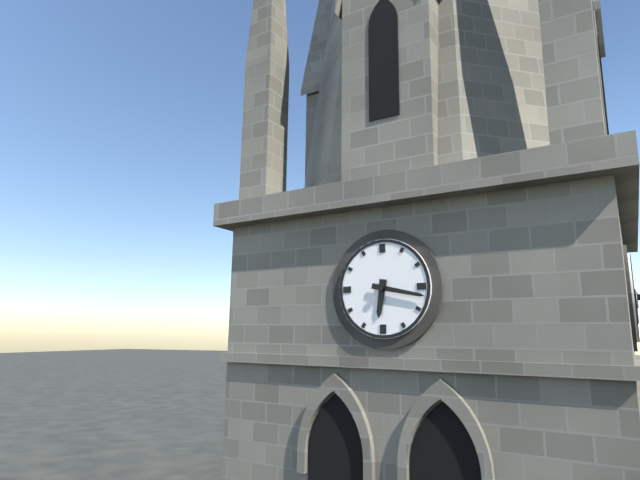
6:17
